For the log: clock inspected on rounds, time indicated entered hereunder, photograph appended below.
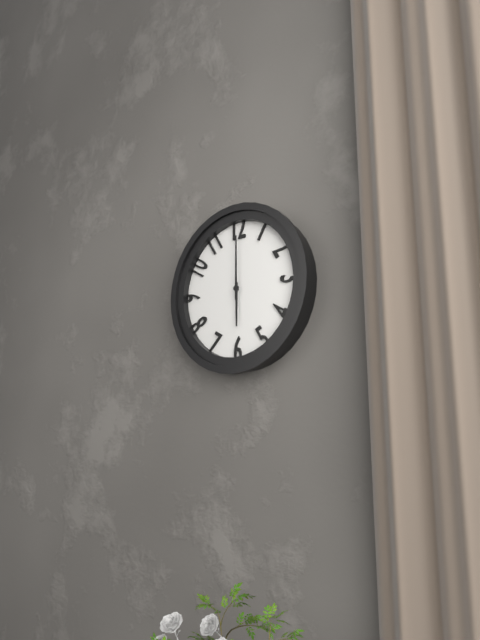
6:00
